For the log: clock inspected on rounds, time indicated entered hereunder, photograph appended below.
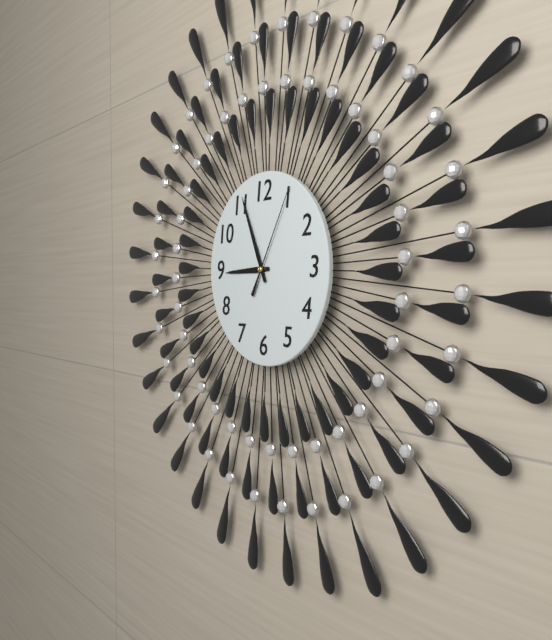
8:56:05
